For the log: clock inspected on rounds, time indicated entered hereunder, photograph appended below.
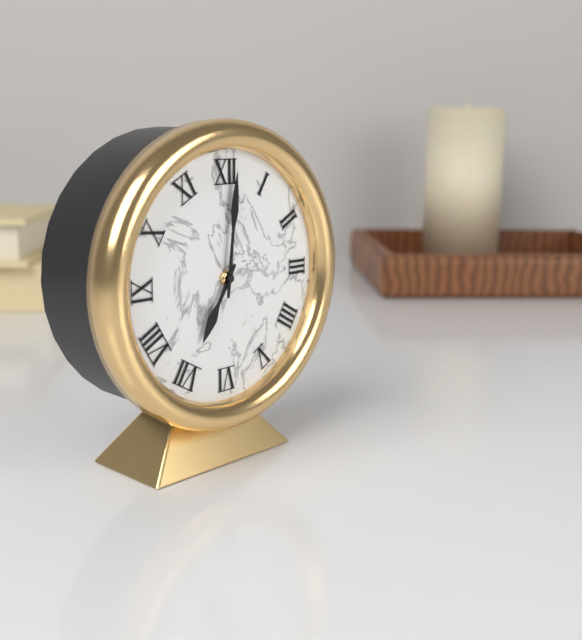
7:01
